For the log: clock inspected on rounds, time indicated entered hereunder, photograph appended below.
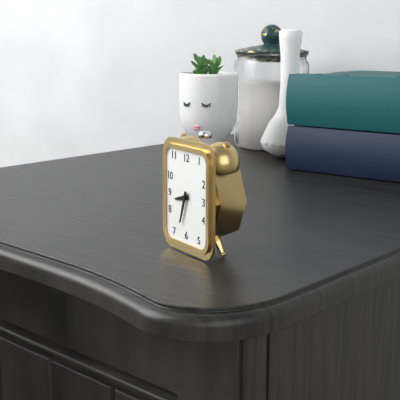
8:33
